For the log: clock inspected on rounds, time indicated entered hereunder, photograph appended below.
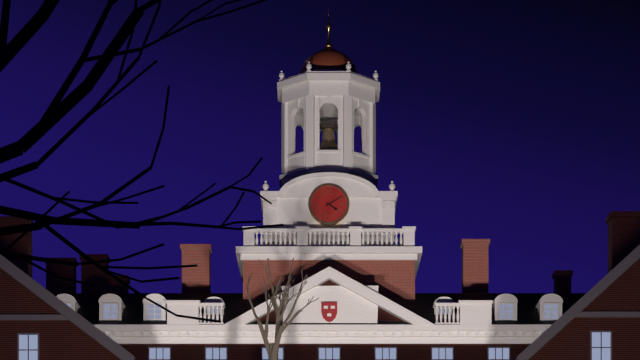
4:10
